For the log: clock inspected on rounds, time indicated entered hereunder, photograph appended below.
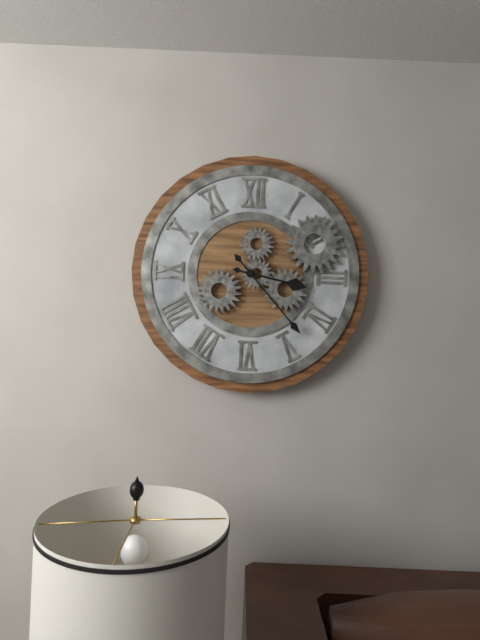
3:23
